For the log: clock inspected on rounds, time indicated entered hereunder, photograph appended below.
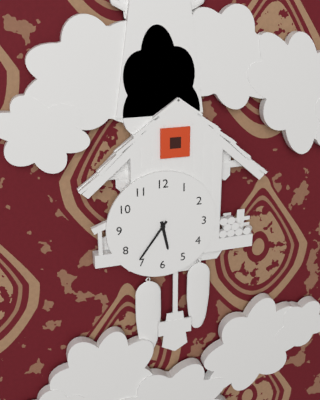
5:36
